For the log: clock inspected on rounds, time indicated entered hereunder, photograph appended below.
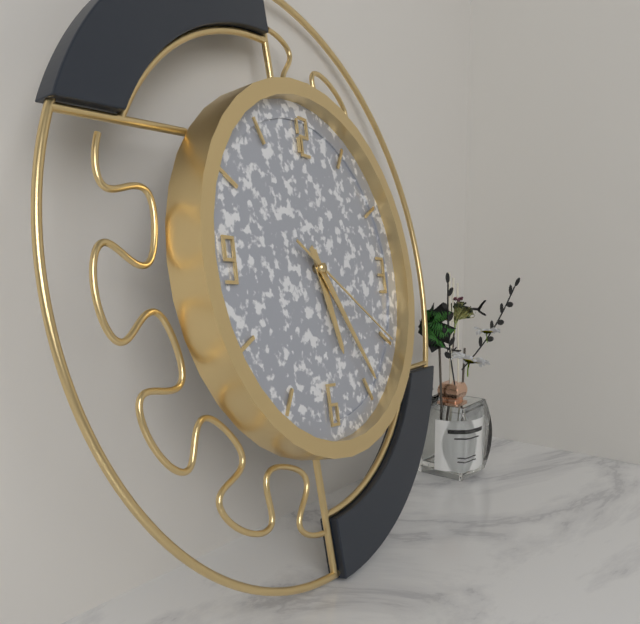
5:24:20
